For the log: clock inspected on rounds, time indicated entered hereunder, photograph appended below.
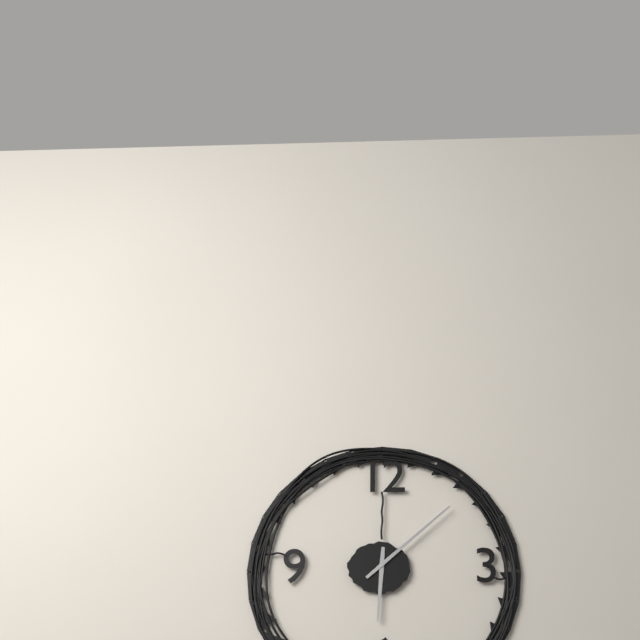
6:08
